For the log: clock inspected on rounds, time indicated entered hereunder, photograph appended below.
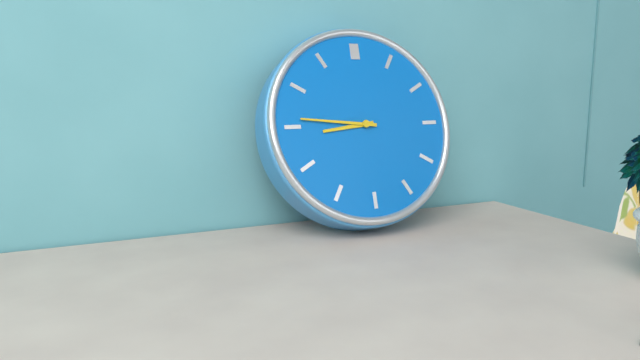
8:46
